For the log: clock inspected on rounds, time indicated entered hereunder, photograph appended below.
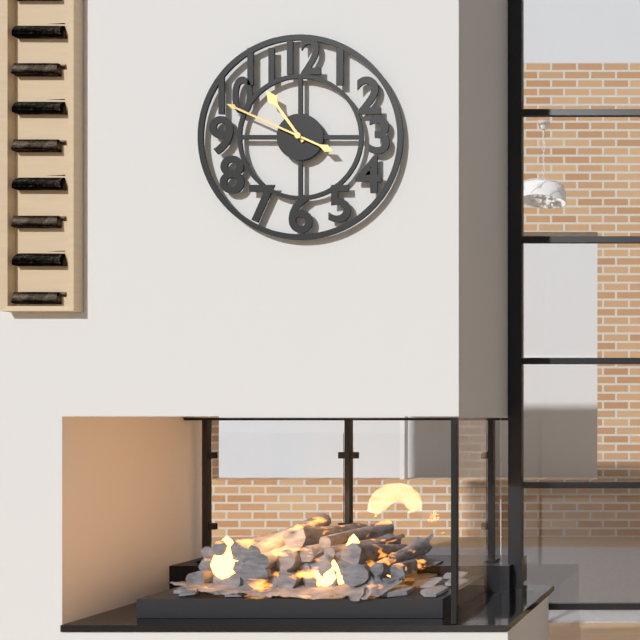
10:49
